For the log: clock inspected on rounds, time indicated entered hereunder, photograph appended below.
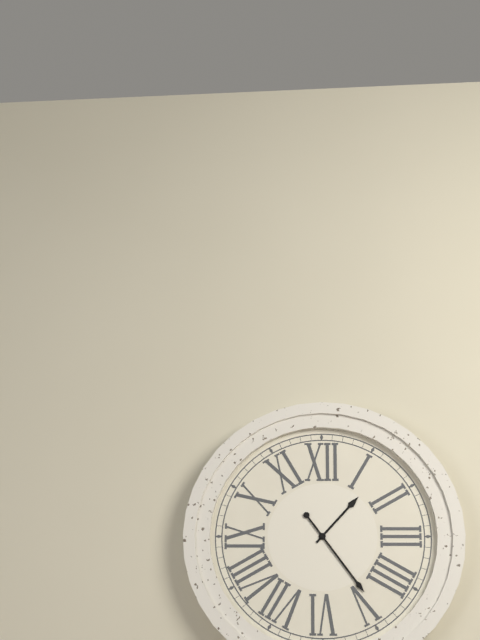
1:24
